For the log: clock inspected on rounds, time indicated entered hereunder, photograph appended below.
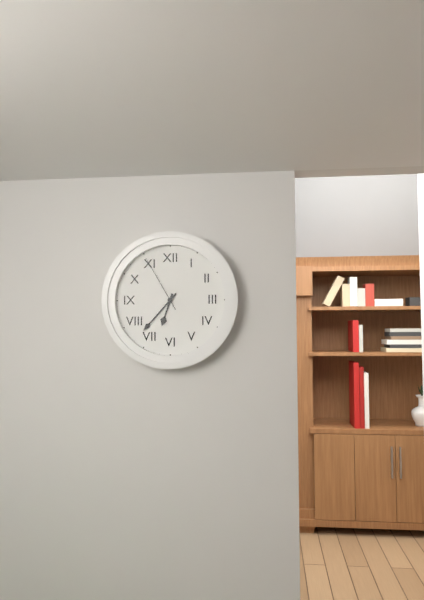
6:37:55
